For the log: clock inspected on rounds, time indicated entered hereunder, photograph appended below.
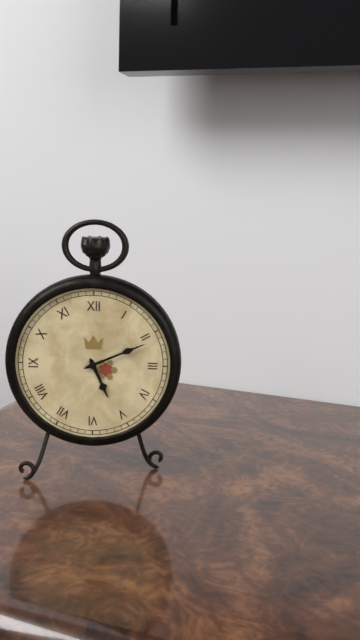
5:11
